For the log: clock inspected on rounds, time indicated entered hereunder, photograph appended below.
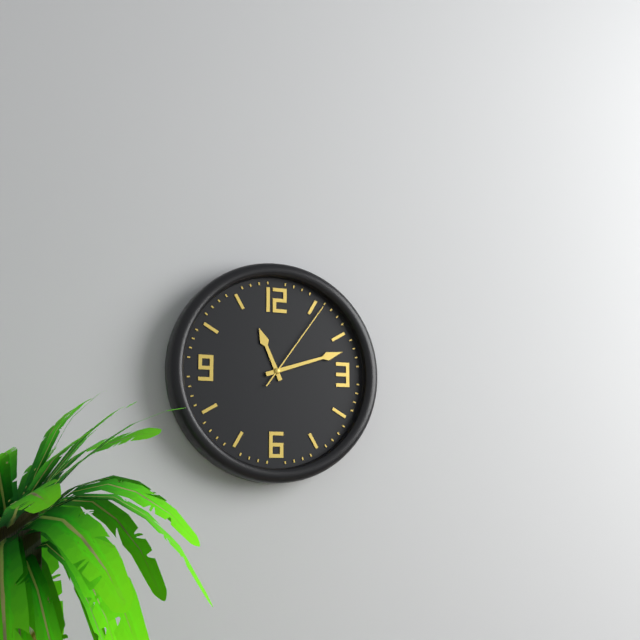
11:12:06
